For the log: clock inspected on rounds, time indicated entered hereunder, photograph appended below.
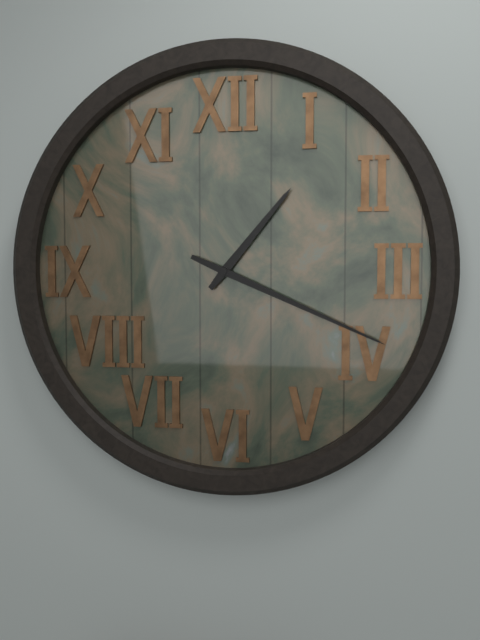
1:19
